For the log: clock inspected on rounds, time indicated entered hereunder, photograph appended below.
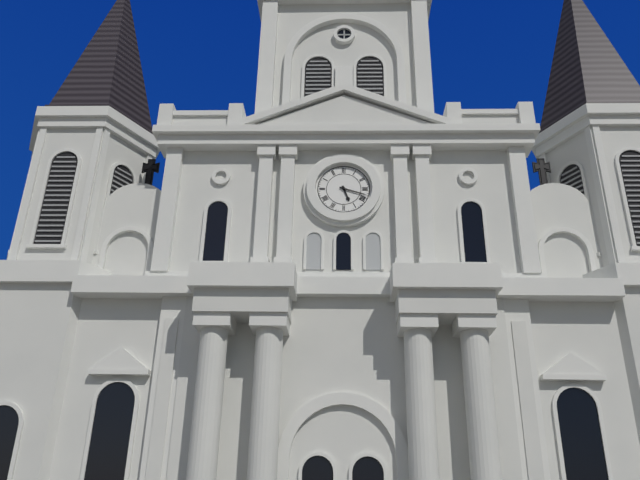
5:18
